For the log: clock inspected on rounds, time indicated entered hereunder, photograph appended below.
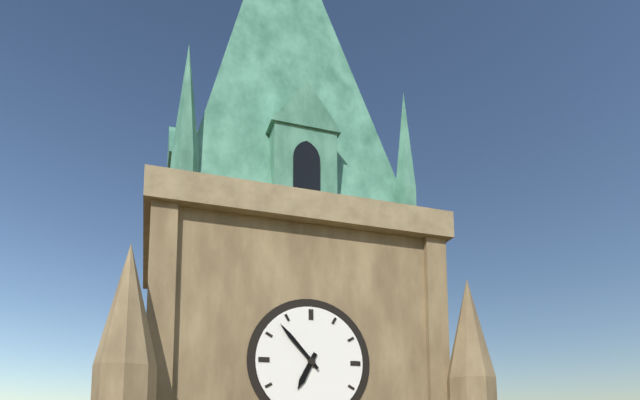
6:53
